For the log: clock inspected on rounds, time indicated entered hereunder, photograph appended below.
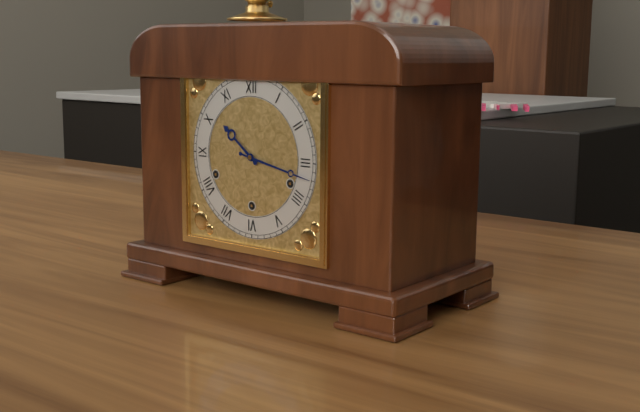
10:17
